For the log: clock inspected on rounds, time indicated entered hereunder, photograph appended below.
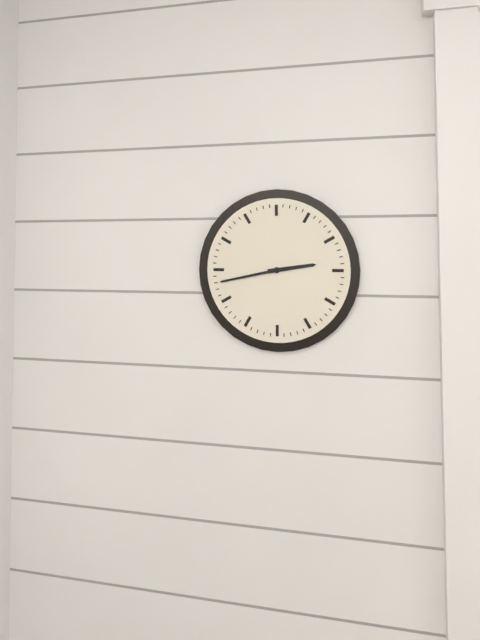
2:43
